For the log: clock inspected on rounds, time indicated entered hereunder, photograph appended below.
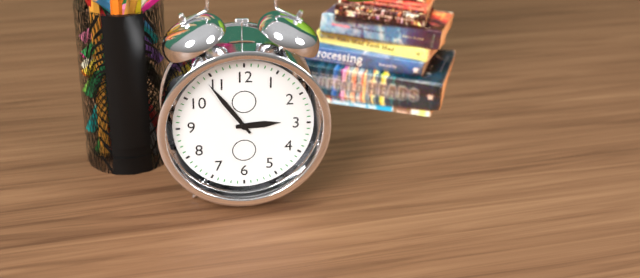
2:54
